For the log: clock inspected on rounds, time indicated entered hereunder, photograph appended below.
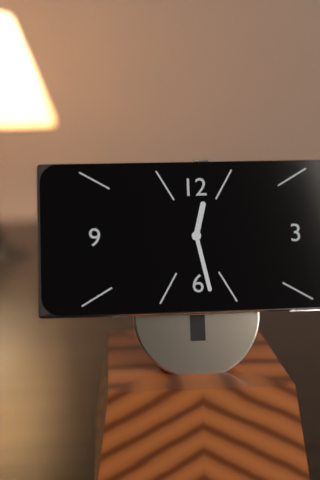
12:28
